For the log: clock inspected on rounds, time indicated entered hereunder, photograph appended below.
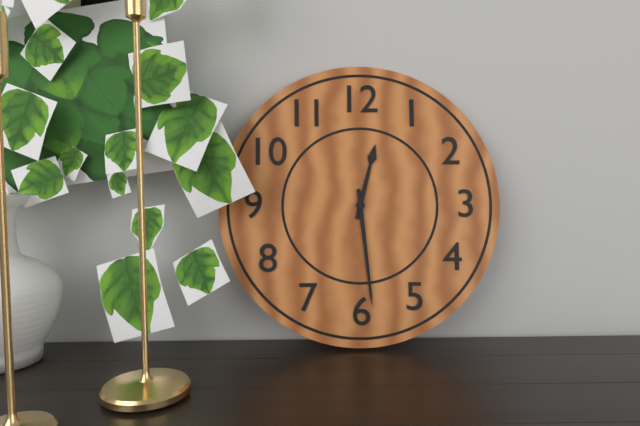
12:29
